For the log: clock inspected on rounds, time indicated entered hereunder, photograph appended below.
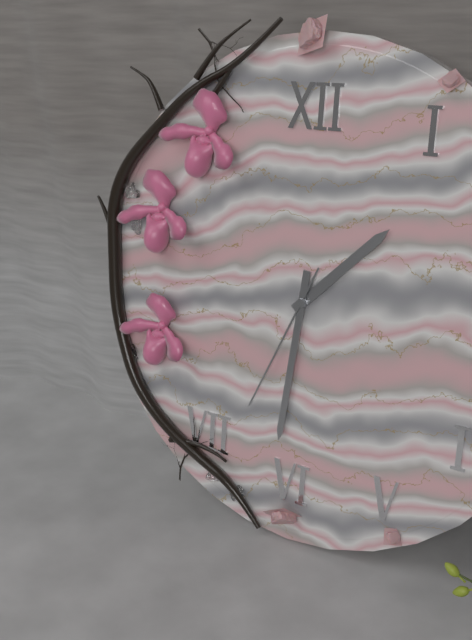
1:31:34
